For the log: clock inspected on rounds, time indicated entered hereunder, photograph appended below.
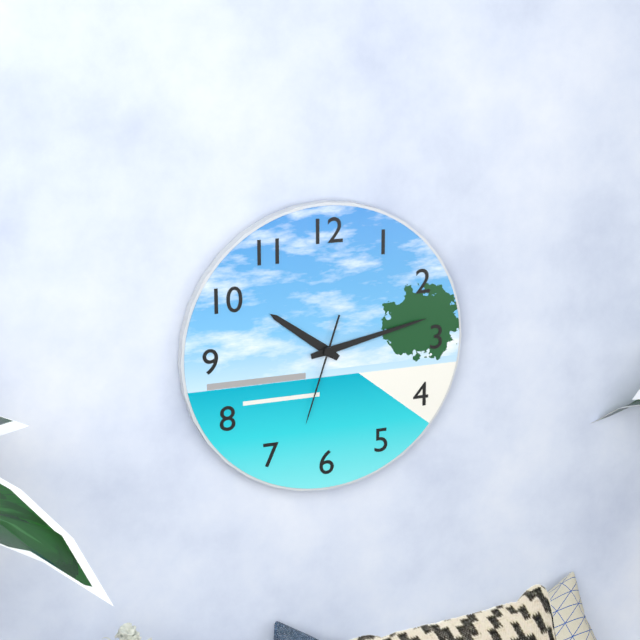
10:13:33
